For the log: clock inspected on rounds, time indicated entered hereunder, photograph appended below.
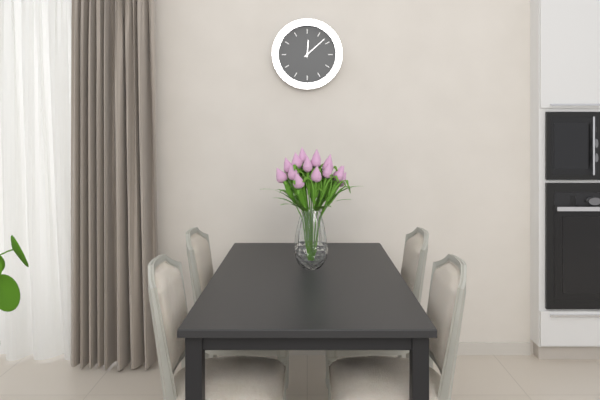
12:08
